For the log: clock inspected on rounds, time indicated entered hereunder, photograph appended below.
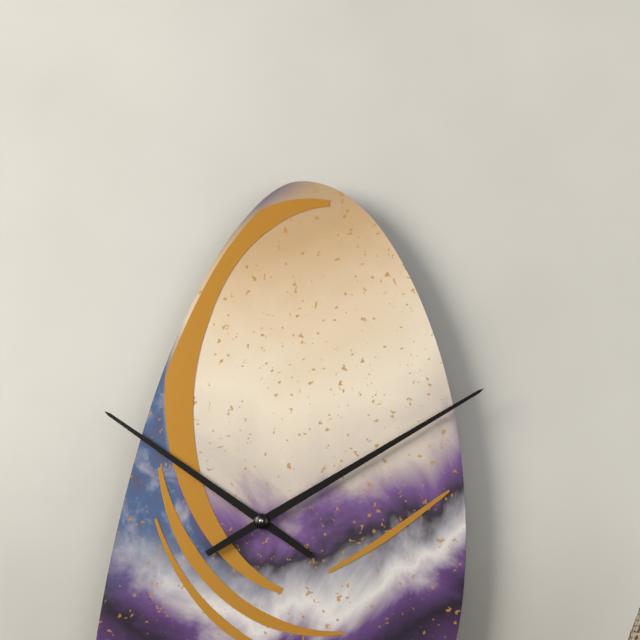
10:10
